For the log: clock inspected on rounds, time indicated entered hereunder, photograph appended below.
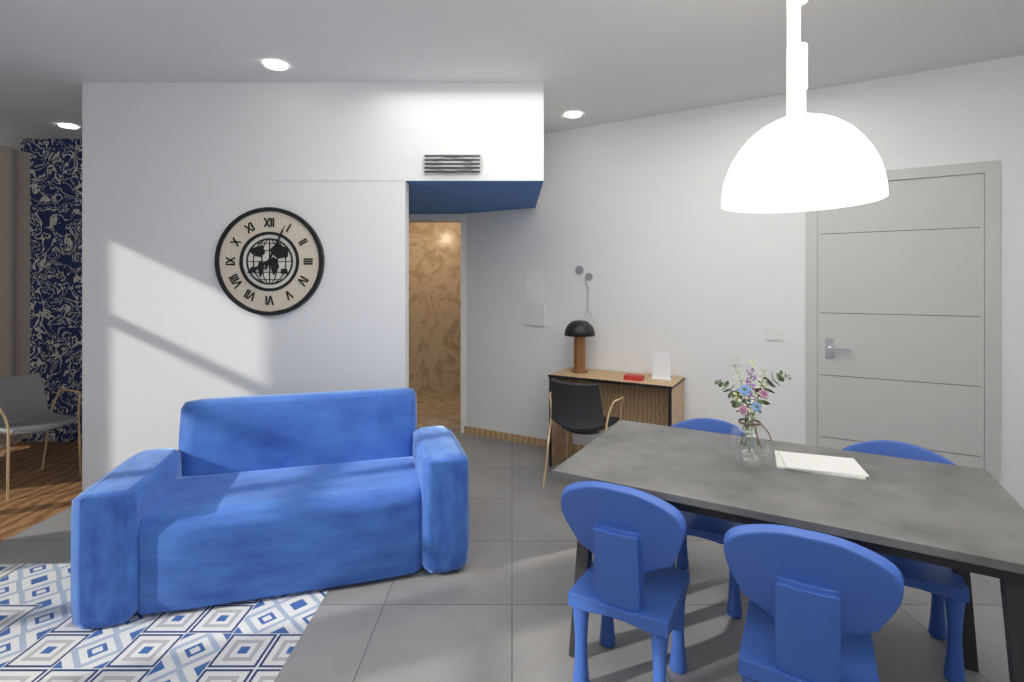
8:04
